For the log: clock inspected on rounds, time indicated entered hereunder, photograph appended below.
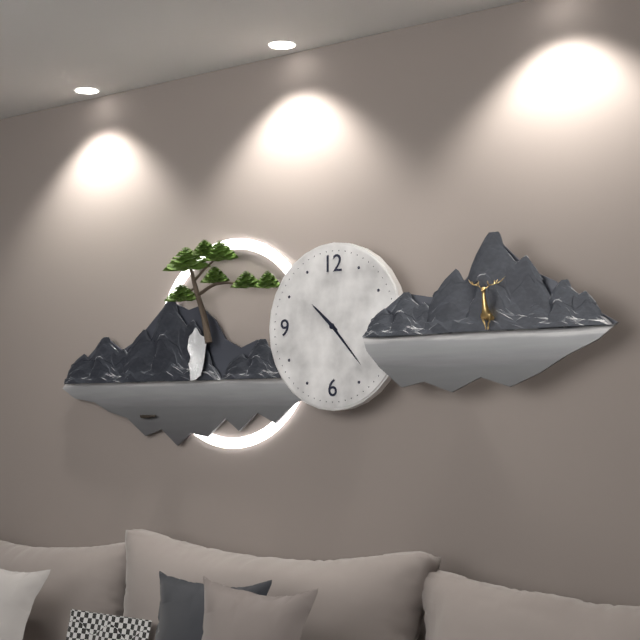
10:23
